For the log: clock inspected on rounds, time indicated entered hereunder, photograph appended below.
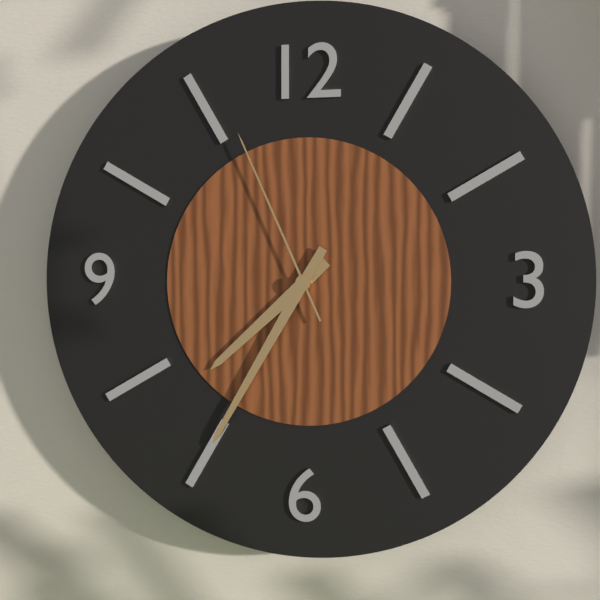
7:35:56
